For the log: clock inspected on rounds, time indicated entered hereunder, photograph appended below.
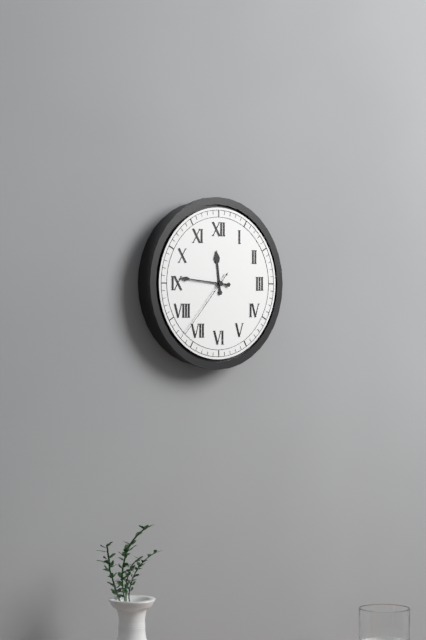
11:46:37
